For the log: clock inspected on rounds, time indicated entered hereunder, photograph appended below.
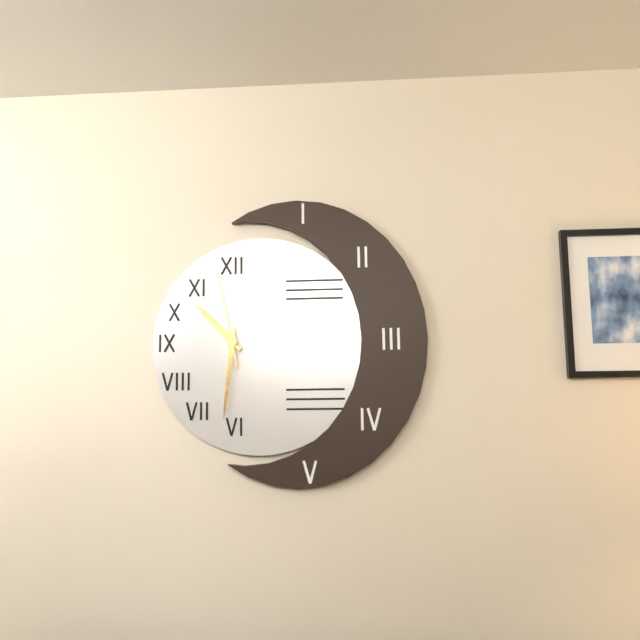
10:31:58
